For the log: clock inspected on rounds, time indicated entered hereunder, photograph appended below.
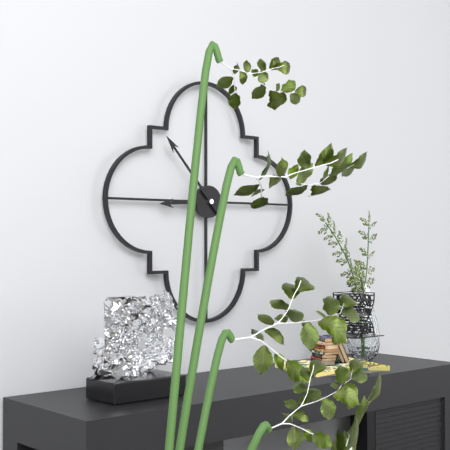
8:53
